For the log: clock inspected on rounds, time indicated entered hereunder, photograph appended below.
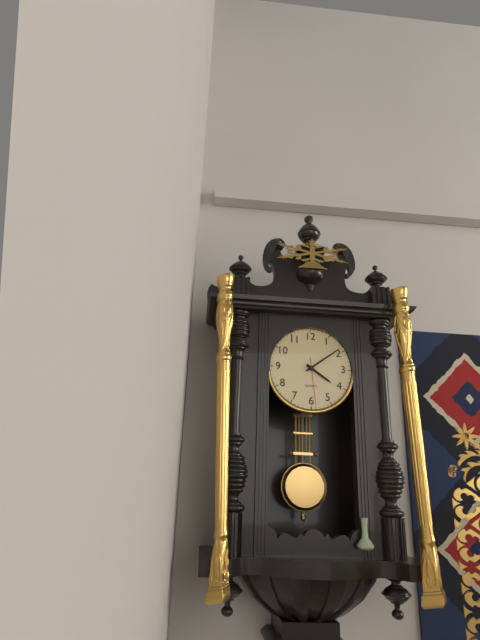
4:09:29
